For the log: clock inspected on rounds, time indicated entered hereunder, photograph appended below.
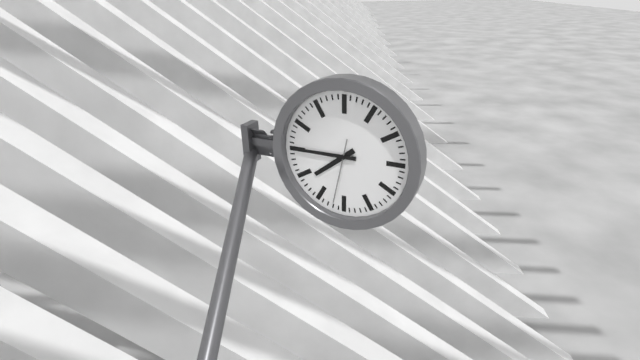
7:45:32
